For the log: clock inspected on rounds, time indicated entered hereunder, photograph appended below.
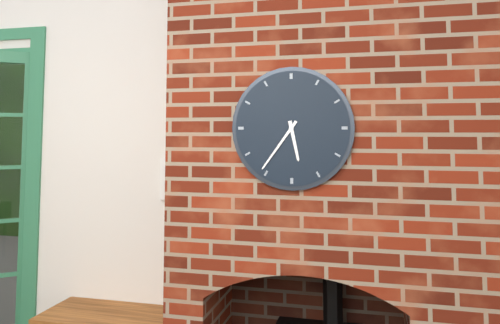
5:36
